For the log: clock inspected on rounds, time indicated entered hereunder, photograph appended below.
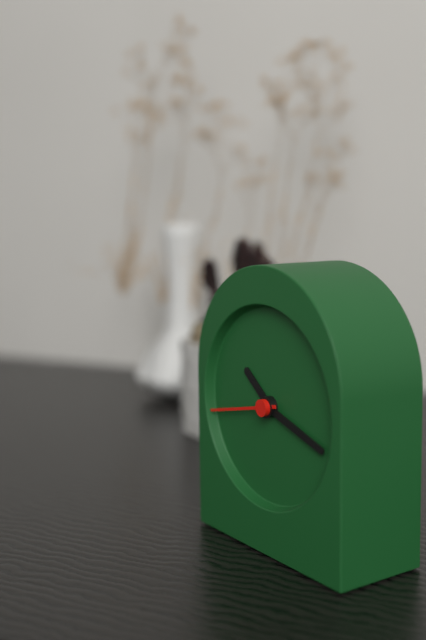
10:18:43
